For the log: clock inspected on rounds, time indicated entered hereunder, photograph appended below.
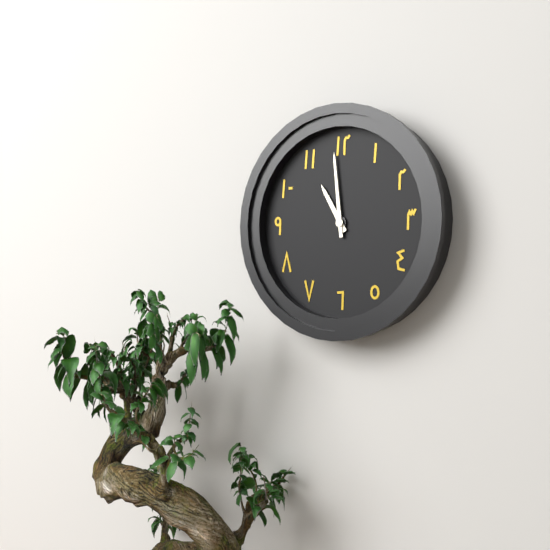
10:59
